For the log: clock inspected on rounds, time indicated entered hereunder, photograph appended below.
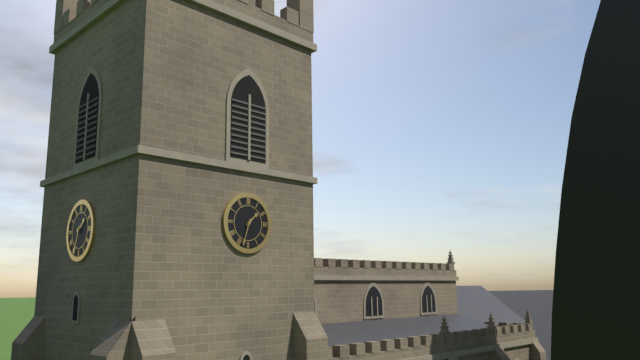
1:33
